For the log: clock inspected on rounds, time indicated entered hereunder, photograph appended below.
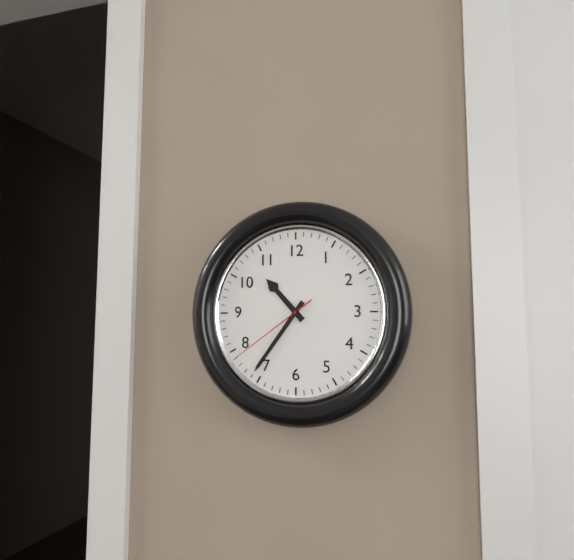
10:36:39
